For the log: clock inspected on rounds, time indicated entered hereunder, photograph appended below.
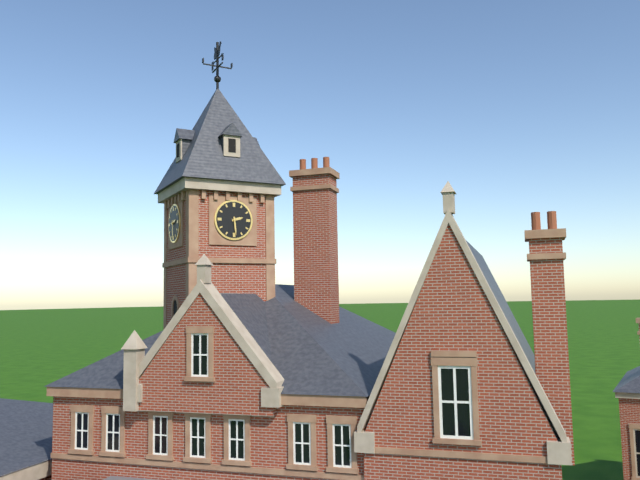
2:29
